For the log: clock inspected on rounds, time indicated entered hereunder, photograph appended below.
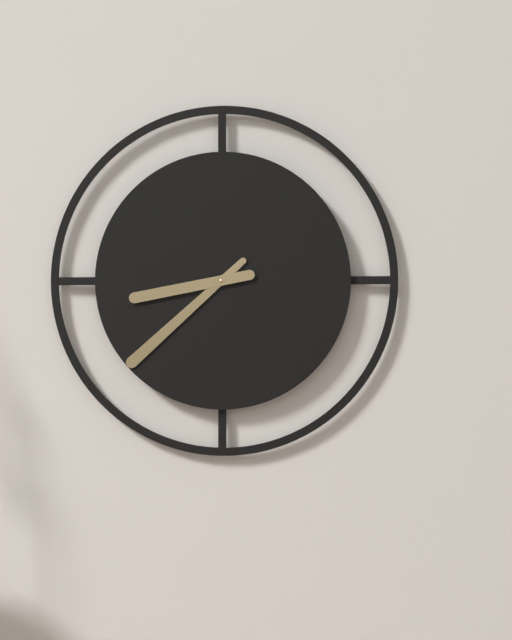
8:38
